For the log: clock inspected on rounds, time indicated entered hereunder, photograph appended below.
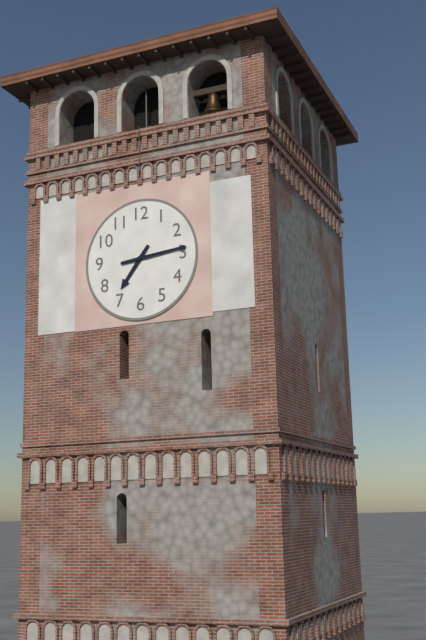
7:14
